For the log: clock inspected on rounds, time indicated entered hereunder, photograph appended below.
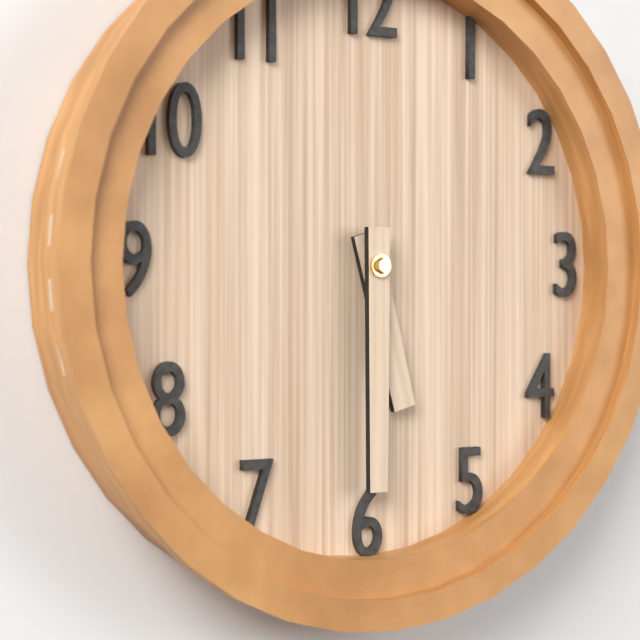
5:30
